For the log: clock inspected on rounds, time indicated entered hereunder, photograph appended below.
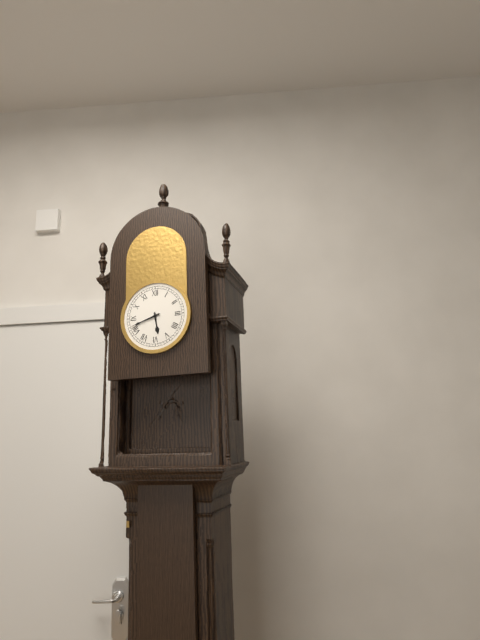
5:42
